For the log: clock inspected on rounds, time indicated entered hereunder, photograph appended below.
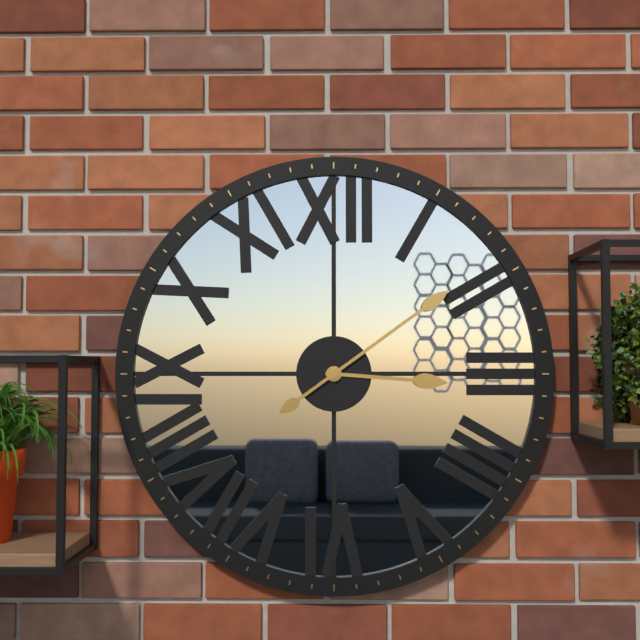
3:09
